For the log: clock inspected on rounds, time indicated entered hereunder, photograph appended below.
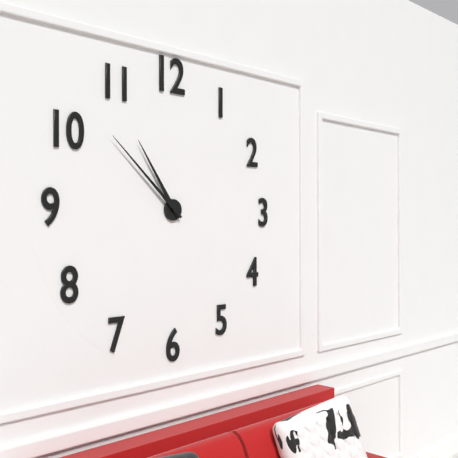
10:52
